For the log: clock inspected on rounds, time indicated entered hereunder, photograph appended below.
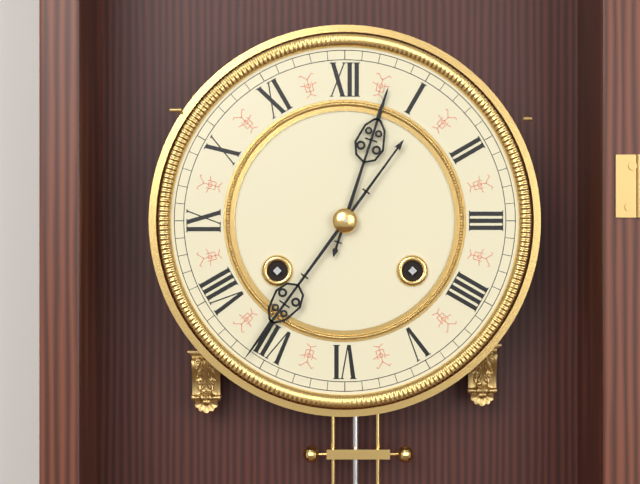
12:36
